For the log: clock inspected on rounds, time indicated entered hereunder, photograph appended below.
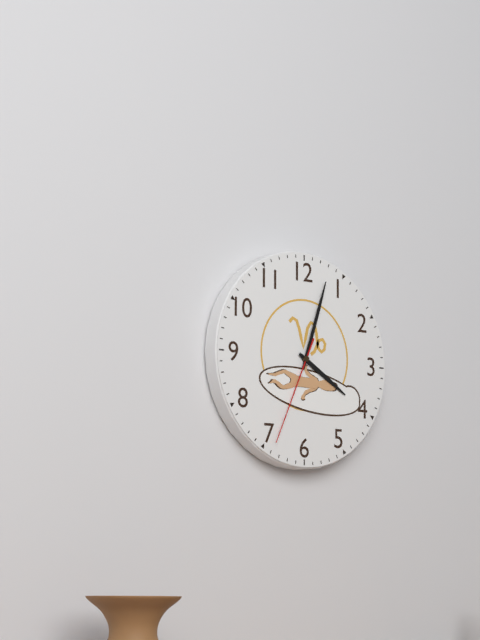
4:03:34
